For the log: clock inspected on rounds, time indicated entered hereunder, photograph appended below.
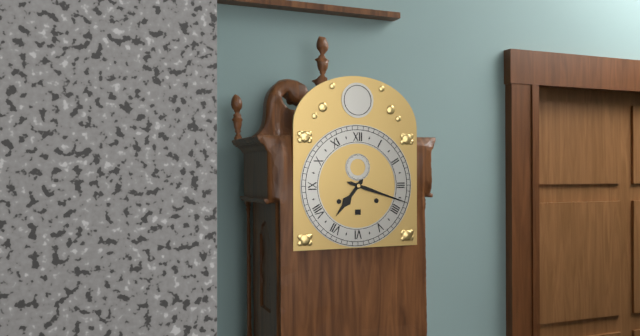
7:18
